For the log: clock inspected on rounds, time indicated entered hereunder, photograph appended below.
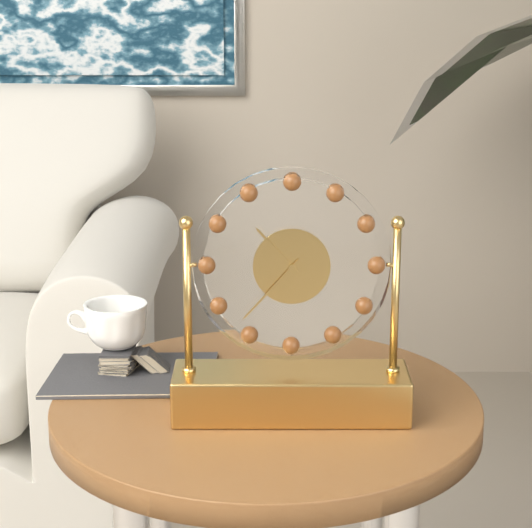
10:37
